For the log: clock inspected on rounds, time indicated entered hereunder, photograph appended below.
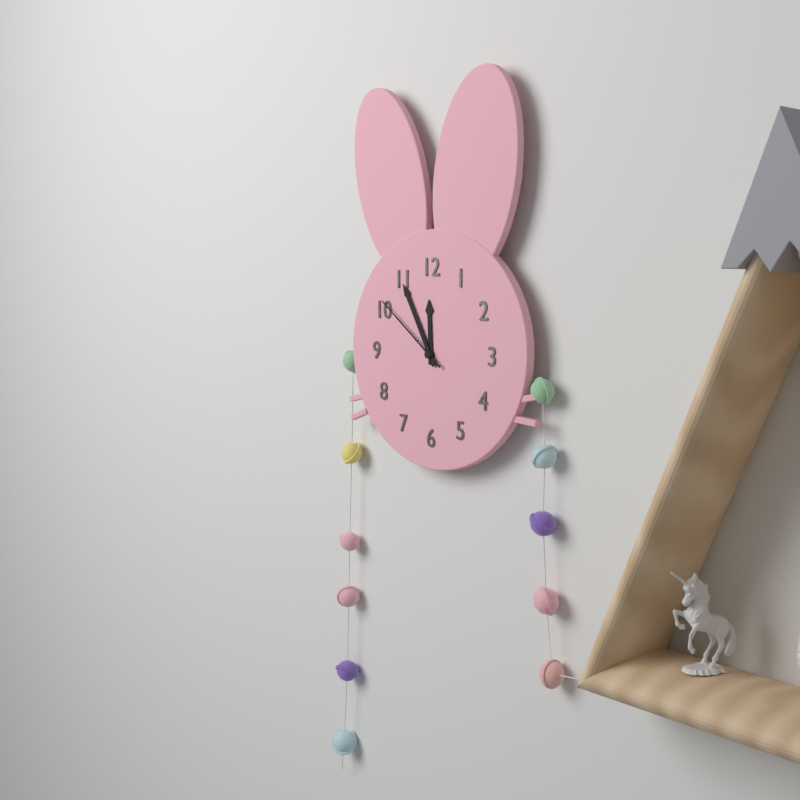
11:55:51
